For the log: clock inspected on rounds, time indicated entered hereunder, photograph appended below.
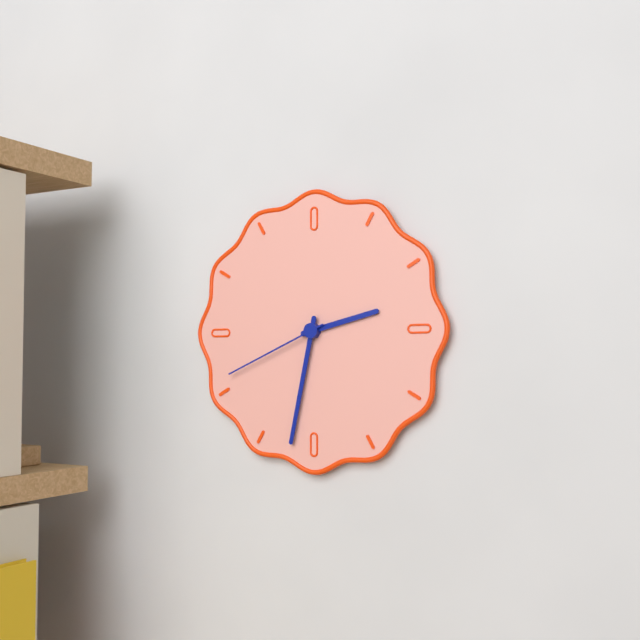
2:32:41
